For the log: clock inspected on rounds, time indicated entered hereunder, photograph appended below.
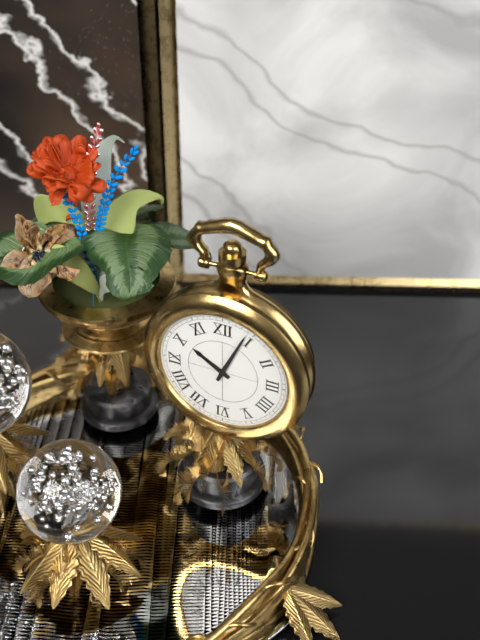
10:04
